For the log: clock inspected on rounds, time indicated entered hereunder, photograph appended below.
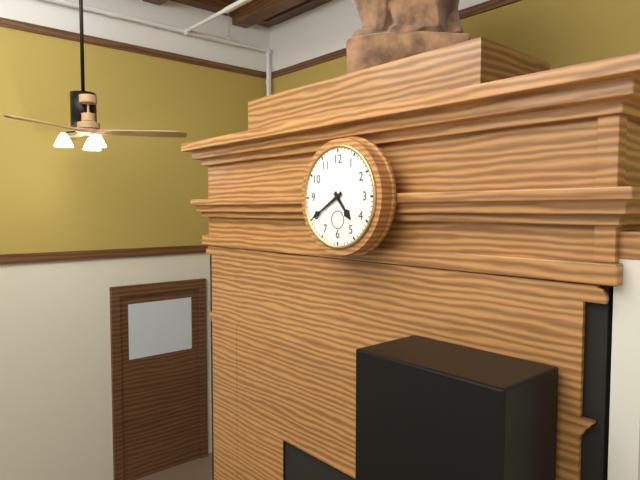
4:40
